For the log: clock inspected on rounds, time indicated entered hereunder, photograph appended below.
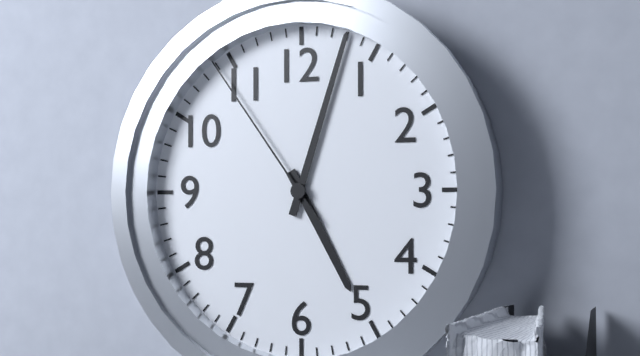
5:03:54
